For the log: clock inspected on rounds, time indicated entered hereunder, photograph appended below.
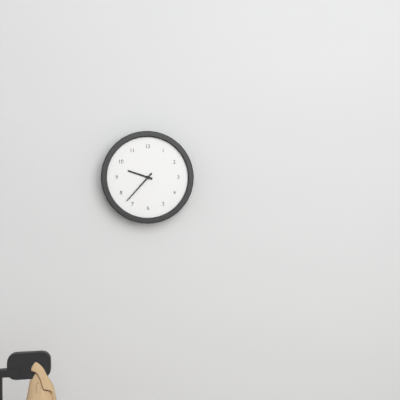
9:37
